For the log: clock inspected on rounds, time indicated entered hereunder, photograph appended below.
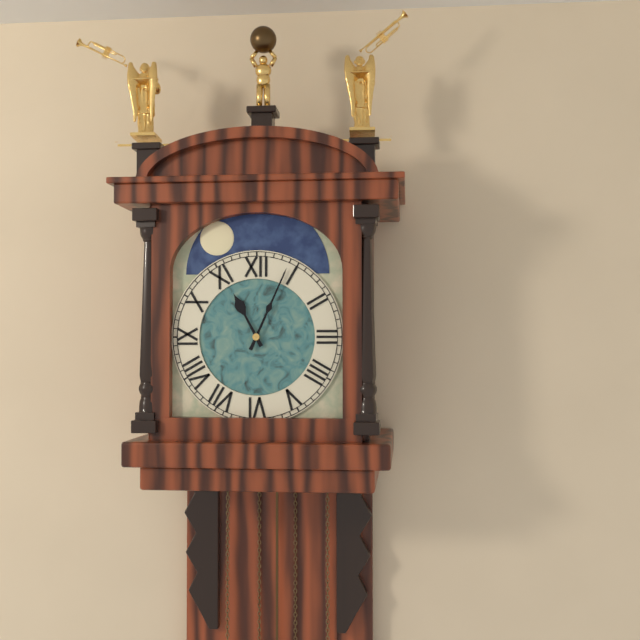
11:04
